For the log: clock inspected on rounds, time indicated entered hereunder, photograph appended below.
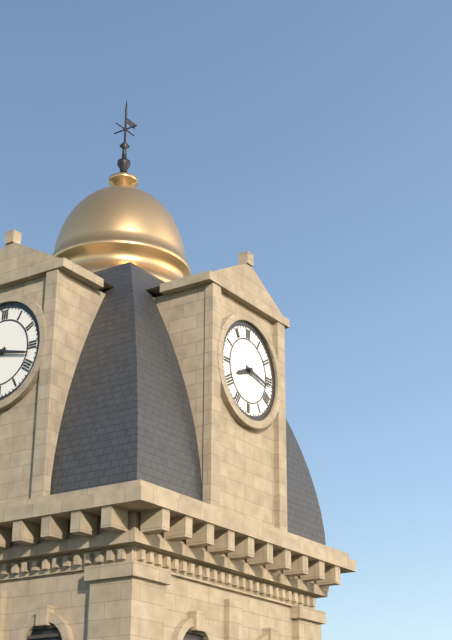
8:17
